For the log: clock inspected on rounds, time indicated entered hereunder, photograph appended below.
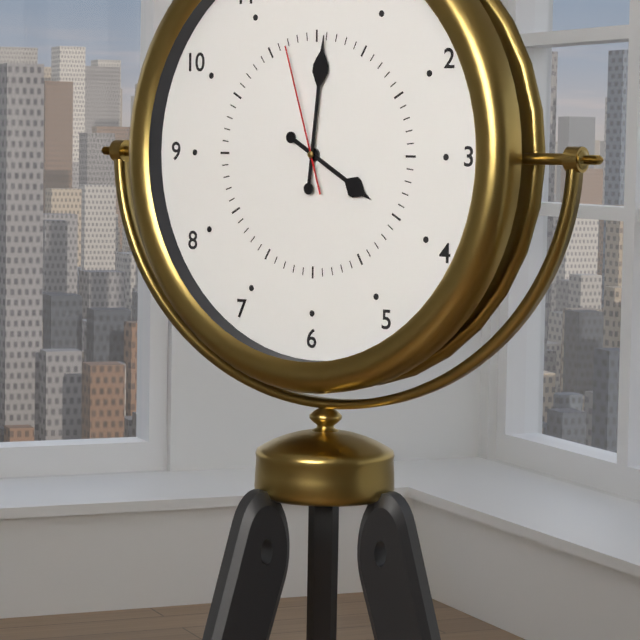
4:01:57
